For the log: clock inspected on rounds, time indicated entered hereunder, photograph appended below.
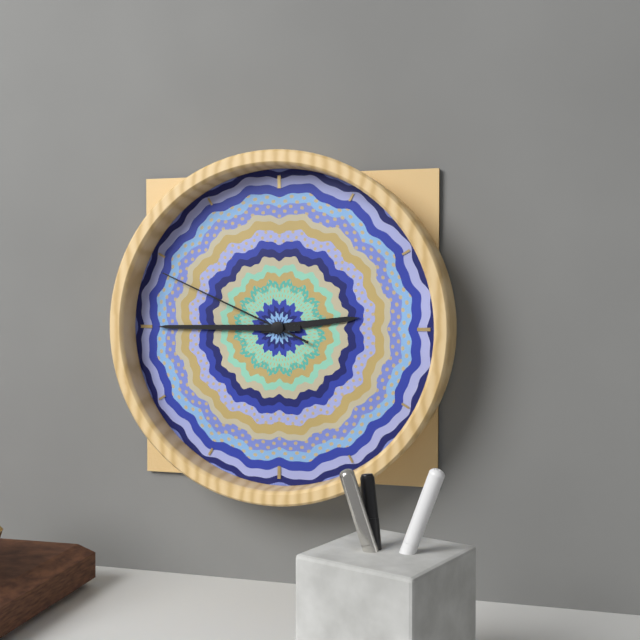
2:45:49
